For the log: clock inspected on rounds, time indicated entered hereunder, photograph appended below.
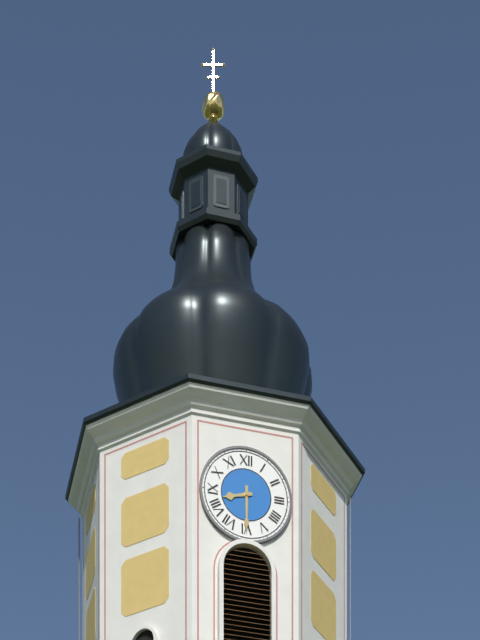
8:30
